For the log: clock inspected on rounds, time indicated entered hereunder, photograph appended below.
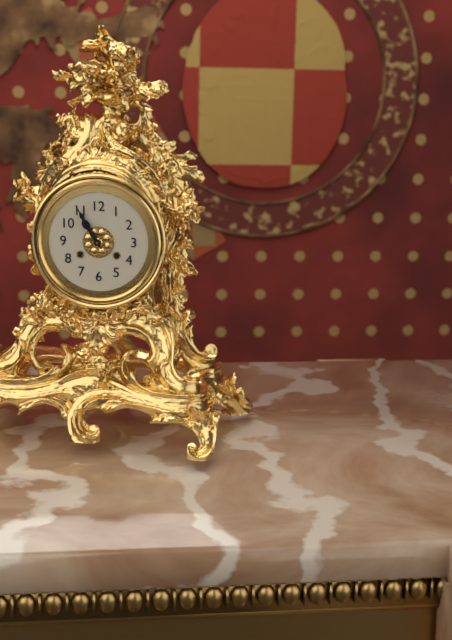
10:55
